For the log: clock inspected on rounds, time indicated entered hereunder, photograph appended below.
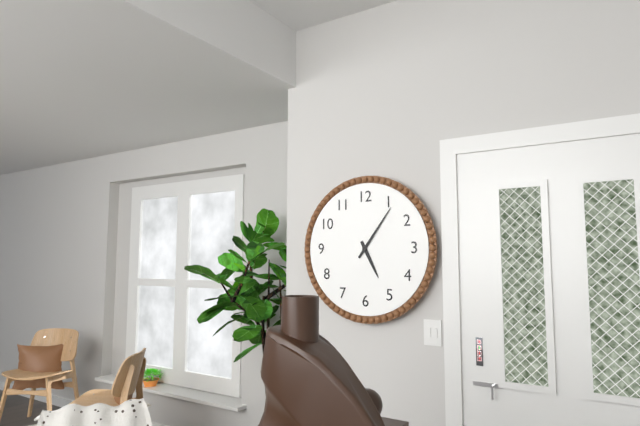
5:06
